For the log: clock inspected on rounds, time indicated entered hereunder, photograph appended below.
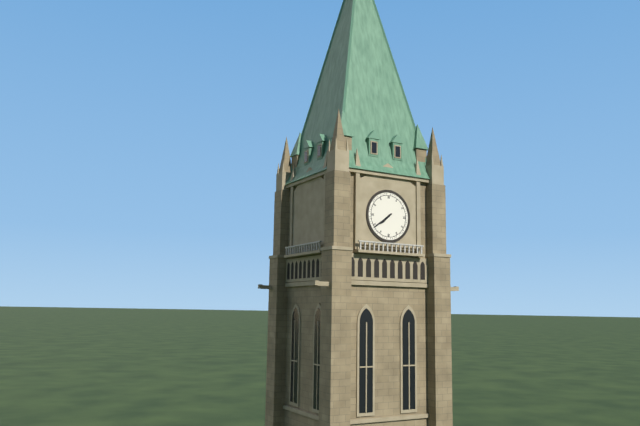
7:39
